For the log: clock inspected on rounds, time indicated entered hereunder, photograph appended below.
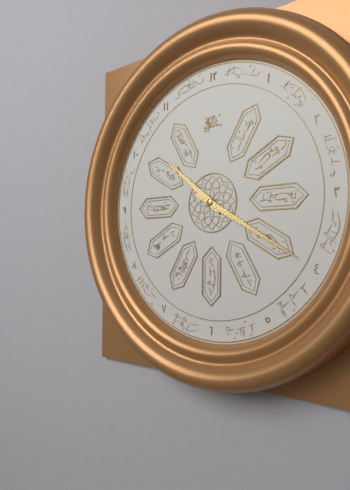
10:20
